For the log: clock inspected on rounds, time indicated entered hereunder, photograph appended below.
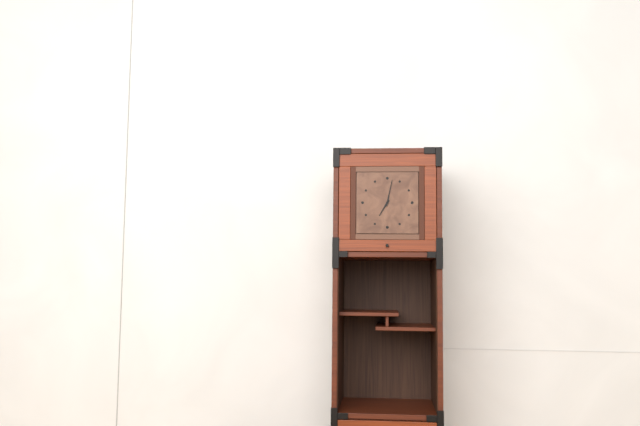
7:02
